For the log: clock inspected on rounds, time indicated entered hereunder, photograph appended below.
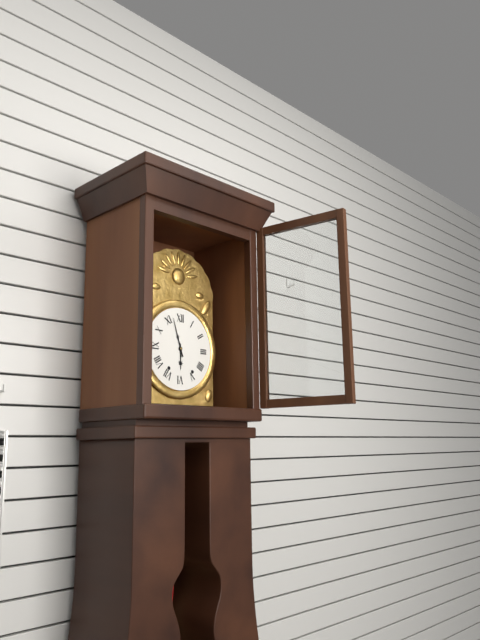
5:57
